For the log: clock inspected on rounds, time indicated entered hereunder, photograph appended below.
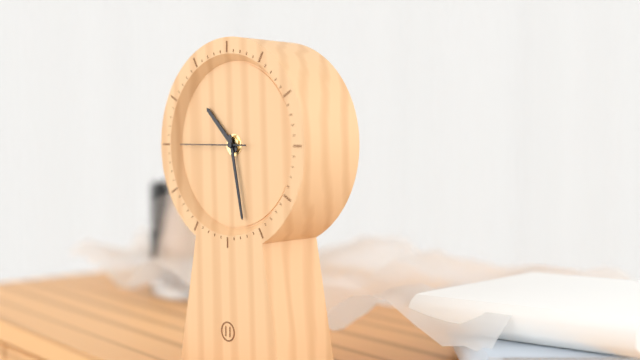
10:28:45
